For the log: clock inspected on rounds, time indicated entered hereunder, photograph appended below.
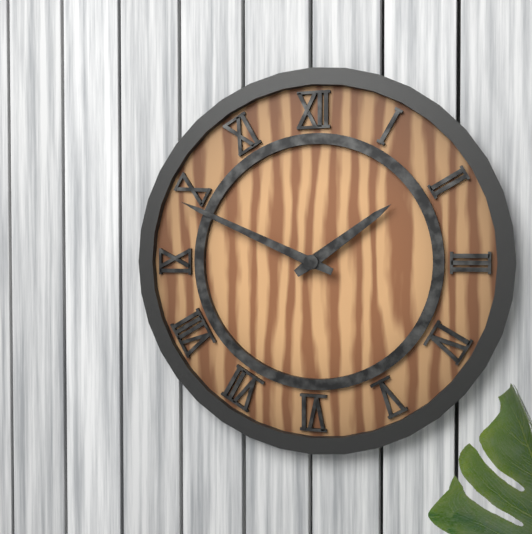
1:49
